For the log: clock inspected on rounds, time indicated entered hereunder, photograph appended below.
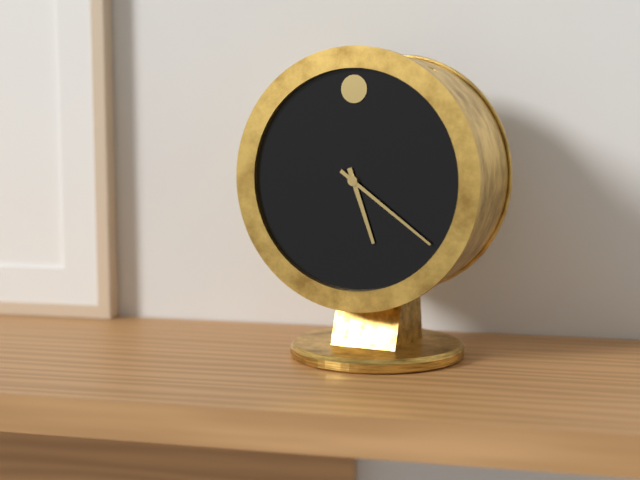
5:21
